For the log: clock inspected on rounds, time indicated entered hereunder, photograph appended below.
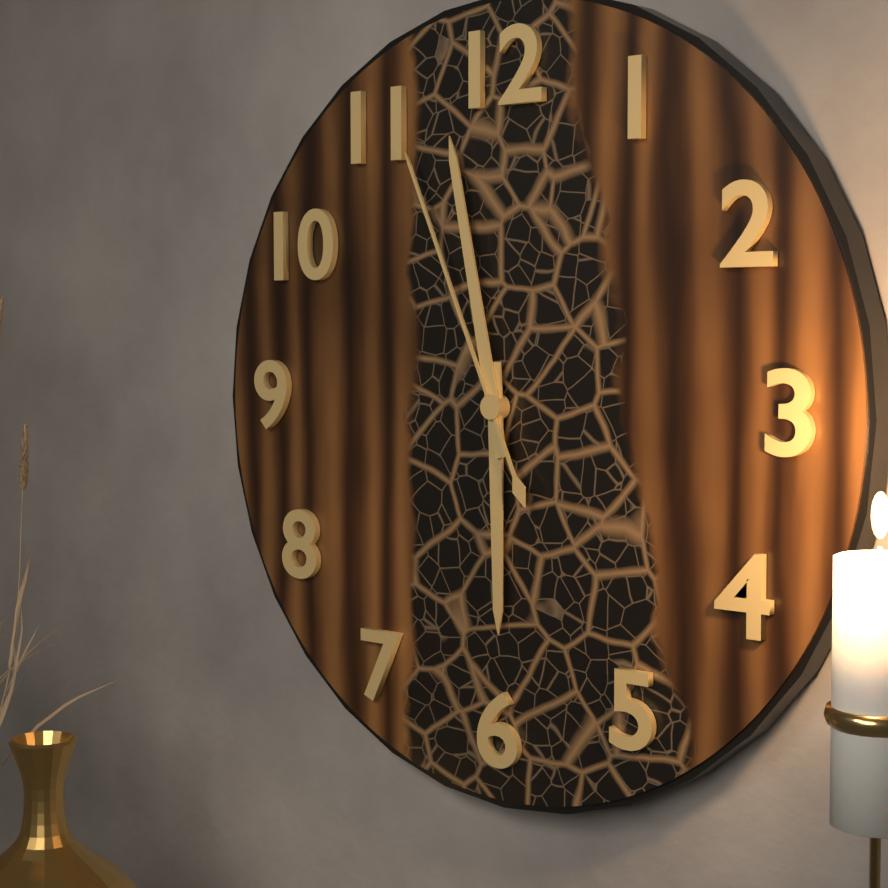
5:58:56
